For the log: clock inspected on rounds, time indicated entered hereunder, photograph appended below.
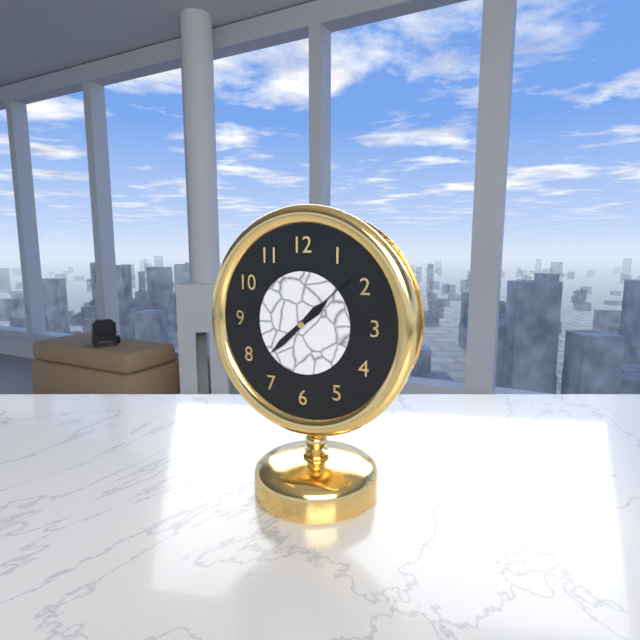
1:38:08
